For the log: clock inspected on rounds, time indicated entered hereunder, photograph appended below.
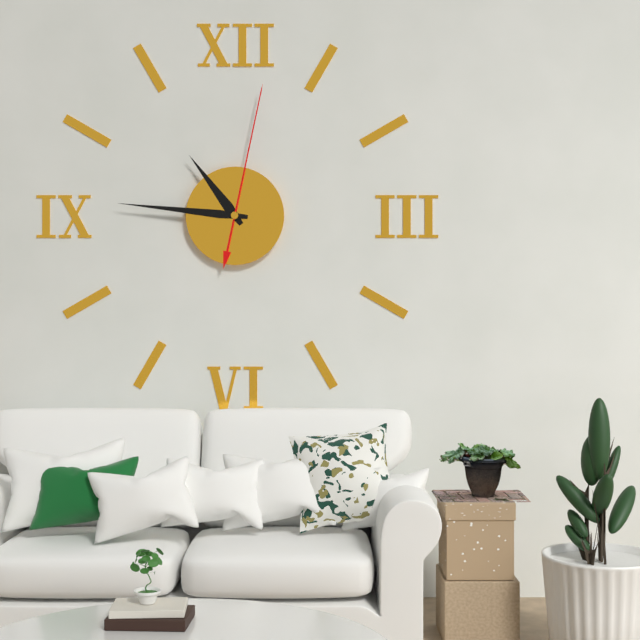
10:46:02
